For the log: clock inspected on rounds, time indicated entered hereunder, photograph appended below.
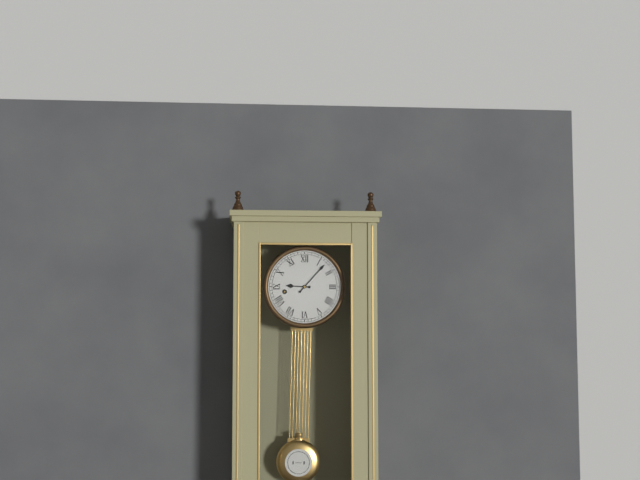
9:07
